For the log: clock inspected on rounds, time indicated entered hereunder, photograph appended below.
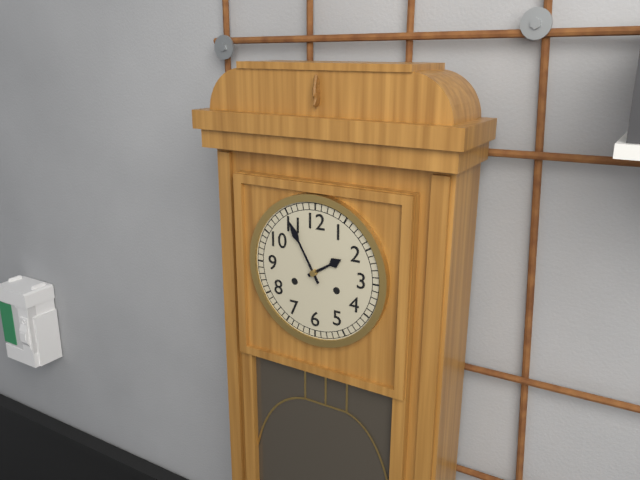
1:55
